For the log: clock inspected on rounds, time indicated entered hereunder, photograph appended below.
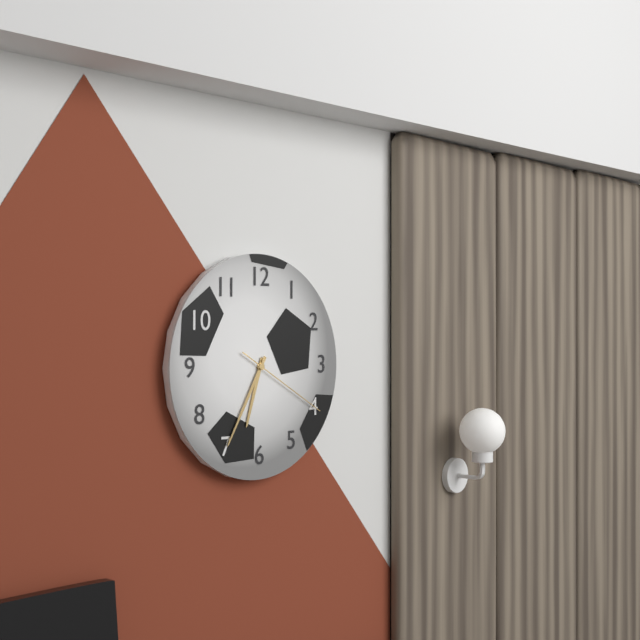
6:35:20
